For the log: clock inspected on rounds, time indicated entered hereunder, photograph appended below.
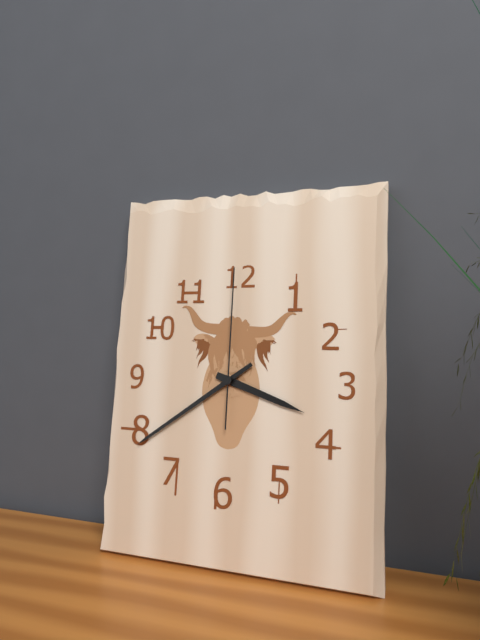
3:39:00
